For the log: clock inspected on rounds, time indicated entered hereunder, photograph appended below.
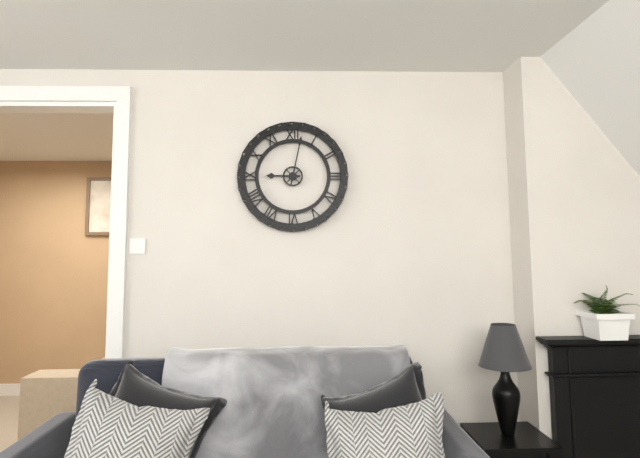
9:02
